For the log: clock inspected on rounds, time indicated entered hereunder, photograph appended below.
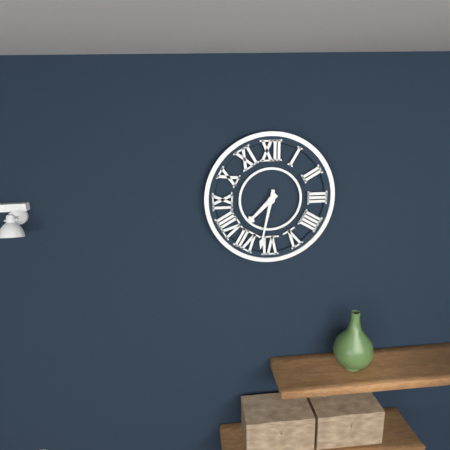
7:32
